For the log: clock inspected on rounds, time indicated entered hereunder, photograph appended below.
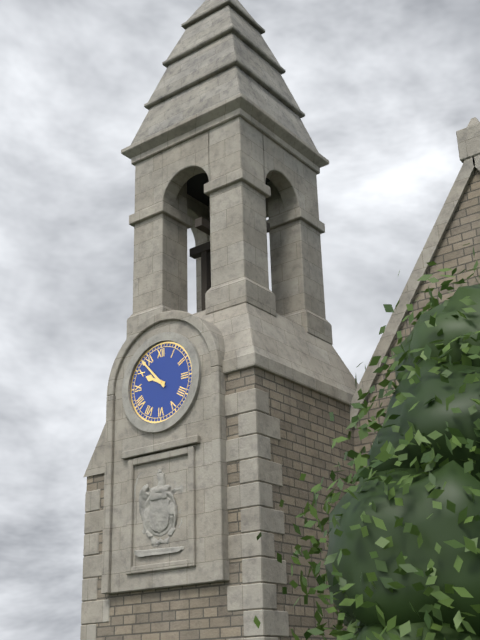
9:53
